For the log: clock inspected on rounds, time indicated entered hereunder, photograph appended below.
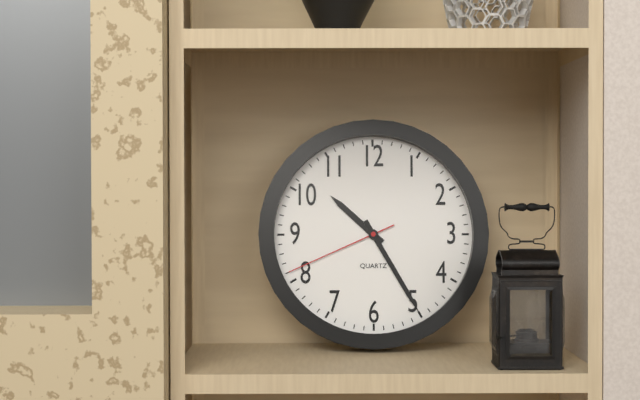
10:25:41
